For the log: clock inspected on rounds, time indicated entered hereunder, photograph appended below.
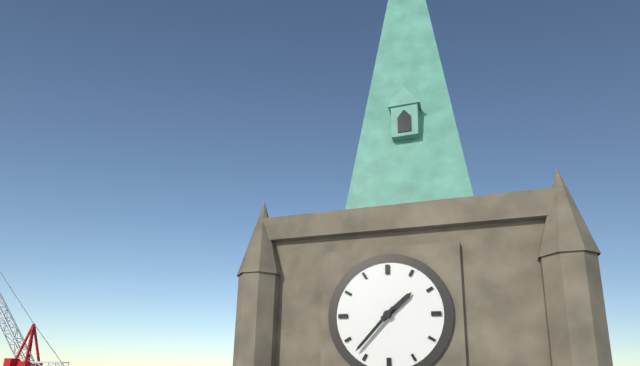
1:37
